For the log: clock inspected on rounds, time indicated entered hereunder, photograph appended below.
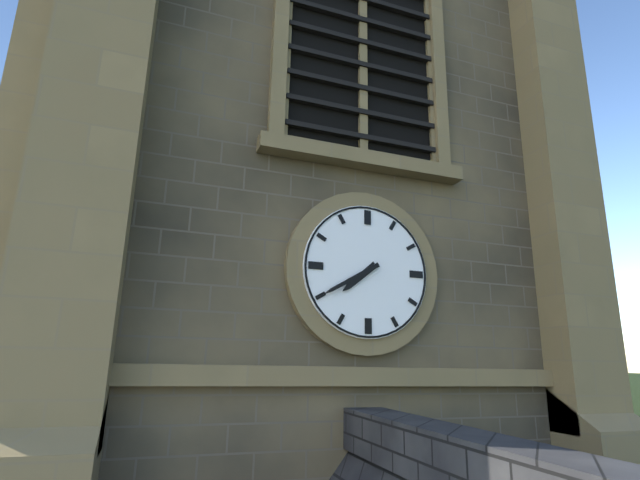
7:40
